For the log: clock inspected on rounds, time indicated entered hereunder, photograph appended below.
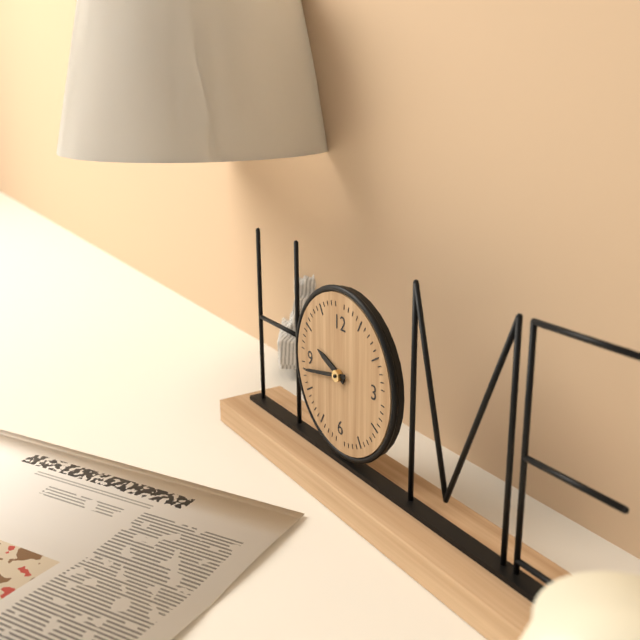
9:43
